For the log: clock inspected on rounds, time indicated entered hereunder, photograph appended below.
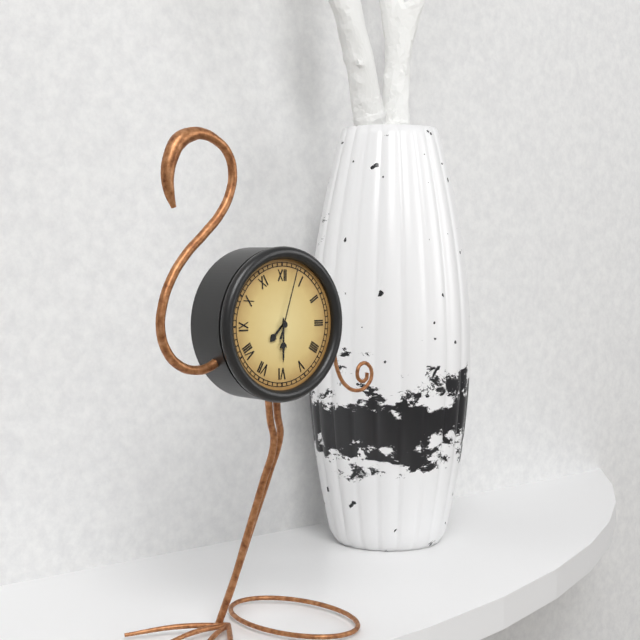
7:30:03
